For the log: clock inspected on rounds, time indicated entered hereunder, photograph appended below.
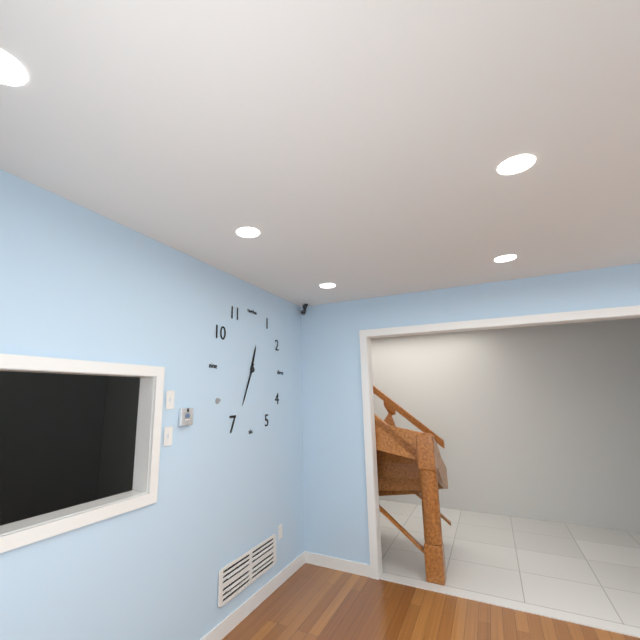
12:34
